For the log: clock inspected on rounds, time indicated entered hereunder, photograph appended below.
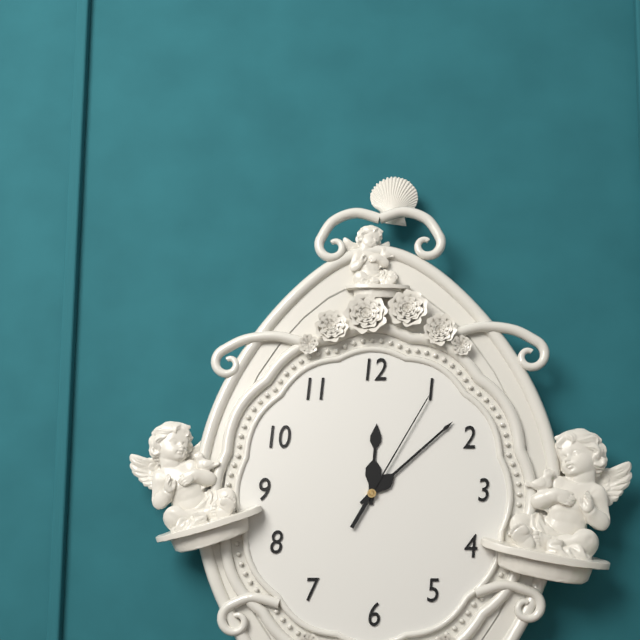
12:08:05
